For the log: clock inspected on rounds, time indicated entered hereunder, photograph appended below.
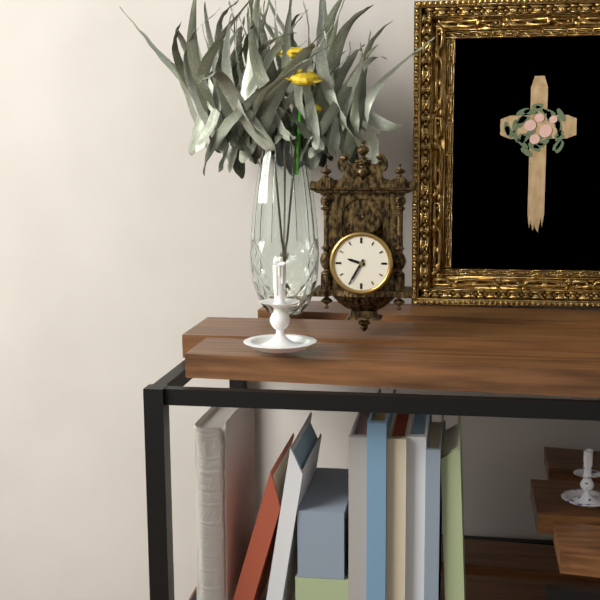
9:35
